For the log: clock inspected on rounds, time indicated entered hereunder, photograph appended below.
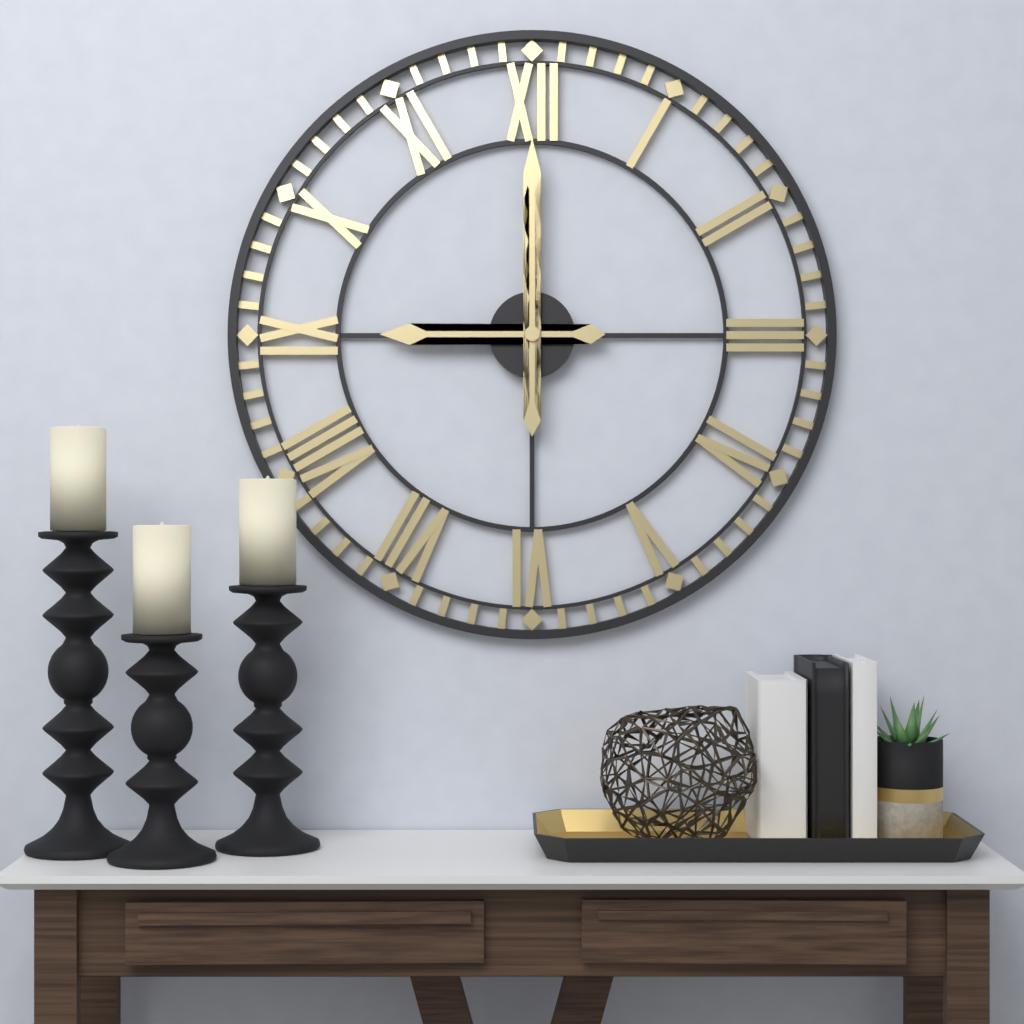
9:00
